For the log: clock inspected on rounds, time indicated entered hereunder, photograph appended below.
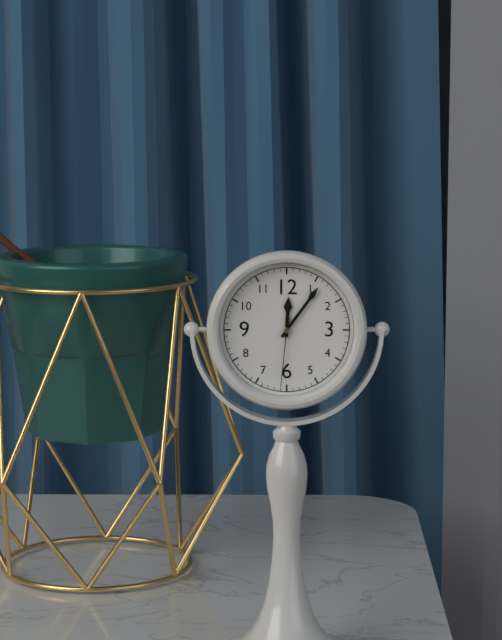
12:06:31
